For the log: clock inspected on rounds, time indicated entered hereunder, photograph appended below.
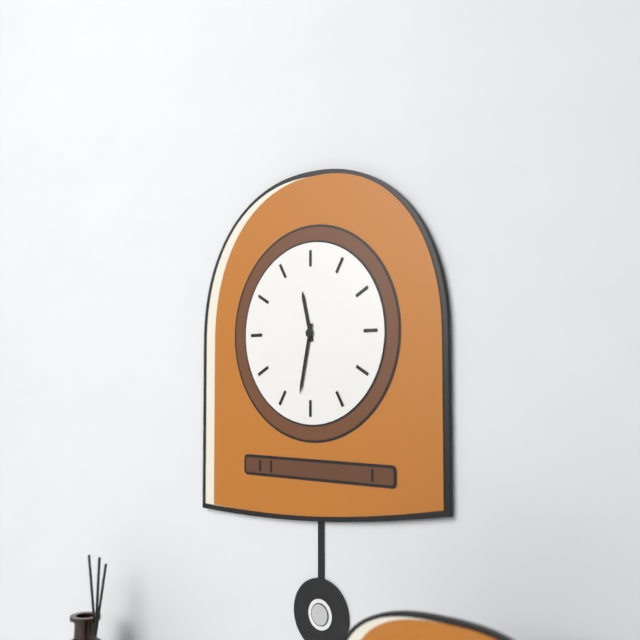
11:32
